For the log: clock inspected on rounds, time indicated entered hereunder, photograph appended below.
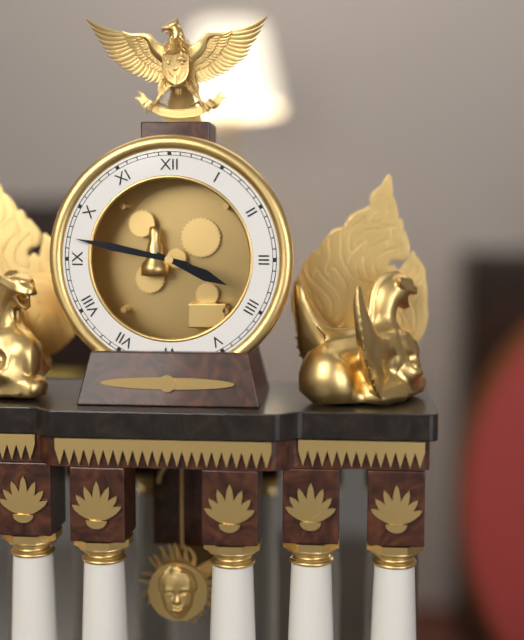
3:47
